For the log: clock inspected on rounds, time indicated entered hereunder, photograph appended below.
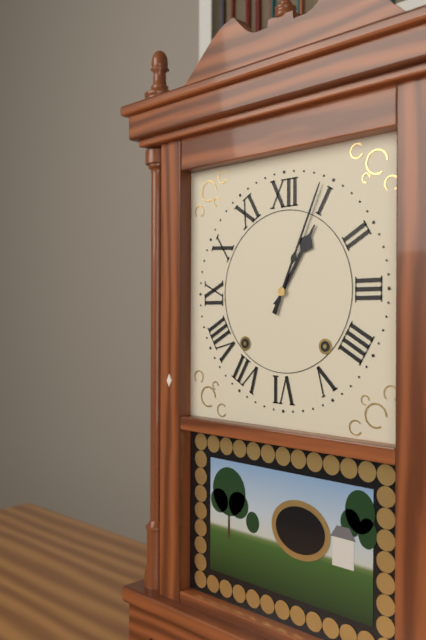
1:04
